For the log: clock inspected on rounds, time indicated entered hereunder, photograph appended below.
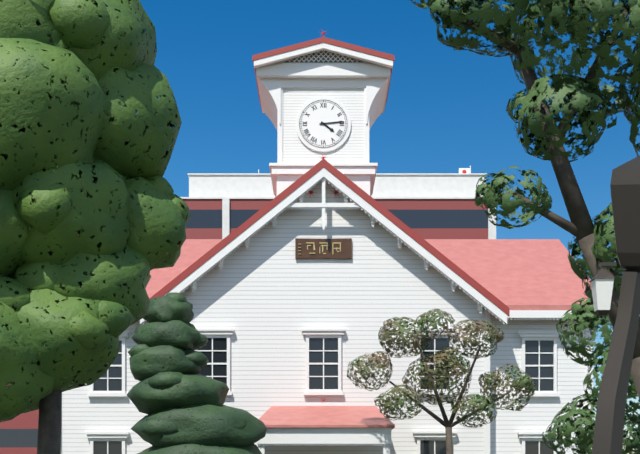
4:14
